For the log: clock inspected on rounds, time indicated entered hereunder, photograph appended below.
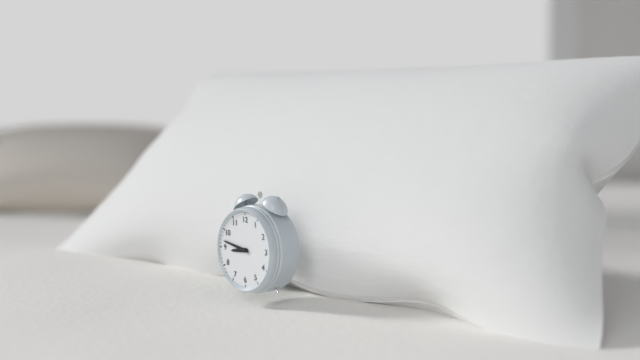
8:47
